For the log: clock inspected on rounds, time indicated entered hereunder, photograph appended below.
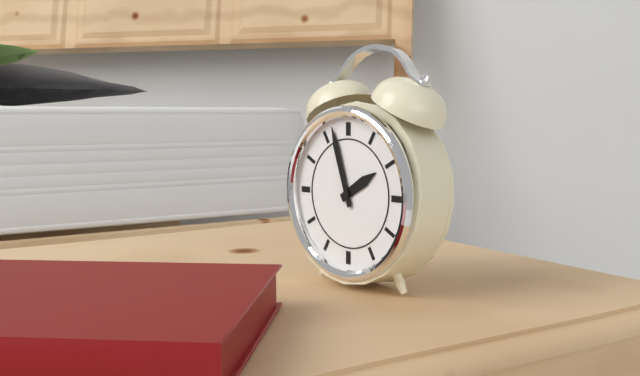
1:57
